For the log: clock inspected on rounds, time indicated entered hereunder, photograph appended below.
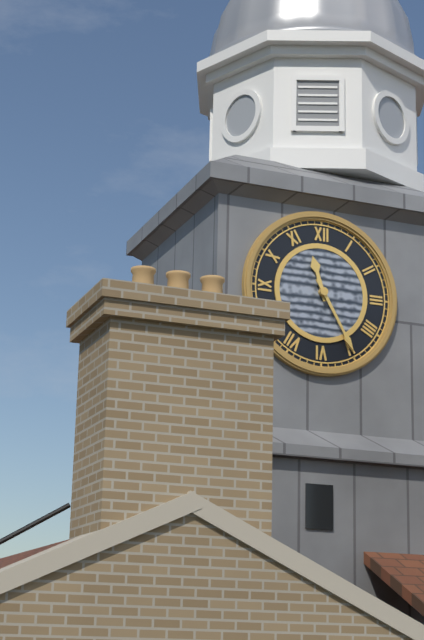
11:25
